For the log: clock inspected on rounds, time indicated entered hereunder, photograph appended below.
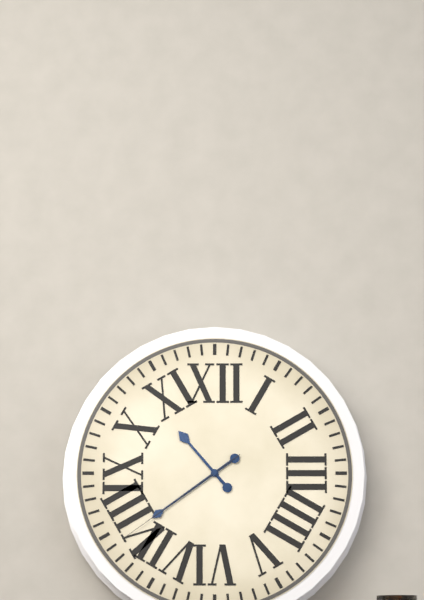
10:39:39
